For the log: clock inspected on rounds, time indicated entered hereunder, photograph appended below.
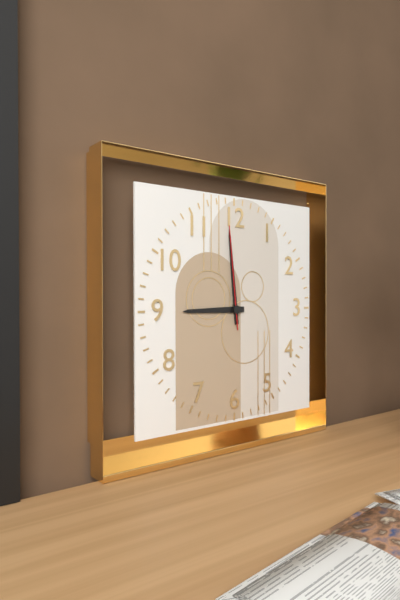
8:59:59
